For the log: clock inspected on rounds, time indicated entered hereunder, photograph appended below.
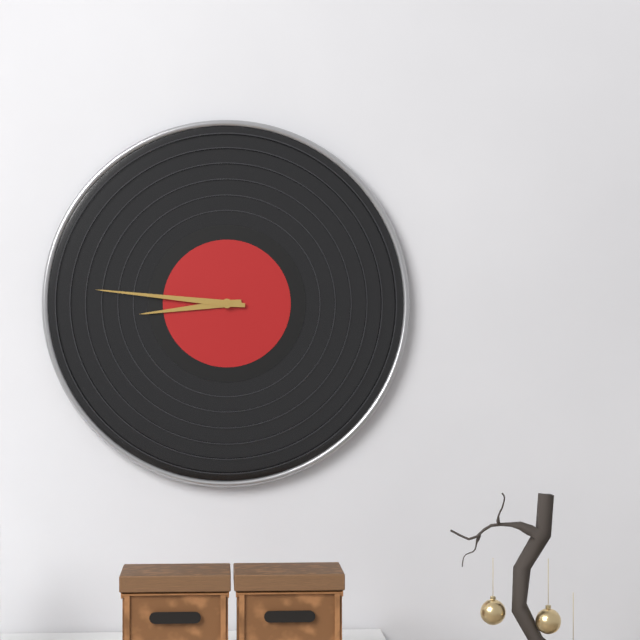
8:46
